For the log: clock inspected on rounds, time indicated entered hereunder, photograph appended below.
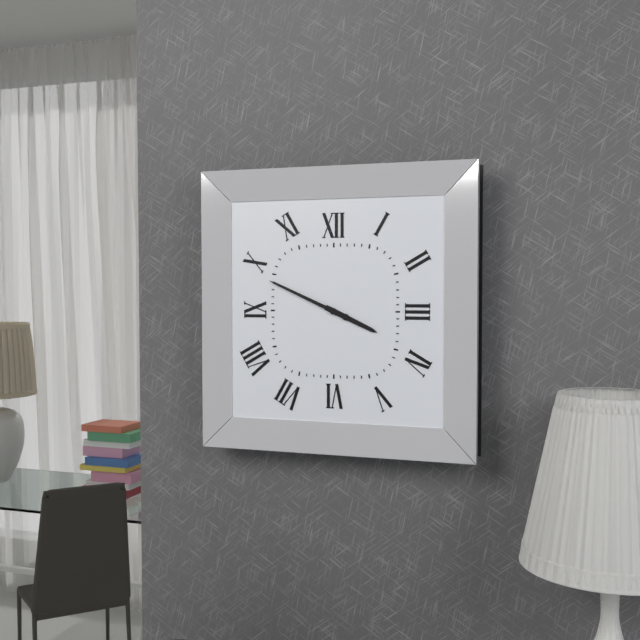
3:49
